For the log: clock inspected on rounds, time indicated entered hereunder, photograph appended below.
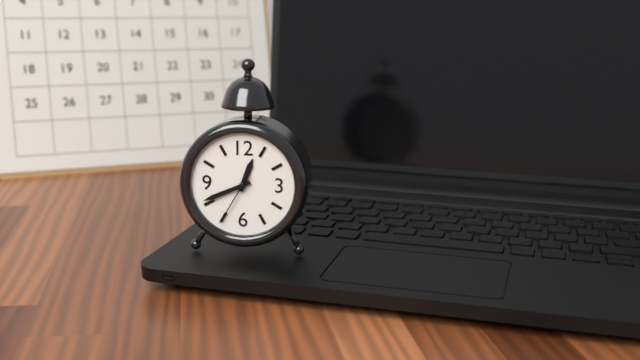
12:41:35
